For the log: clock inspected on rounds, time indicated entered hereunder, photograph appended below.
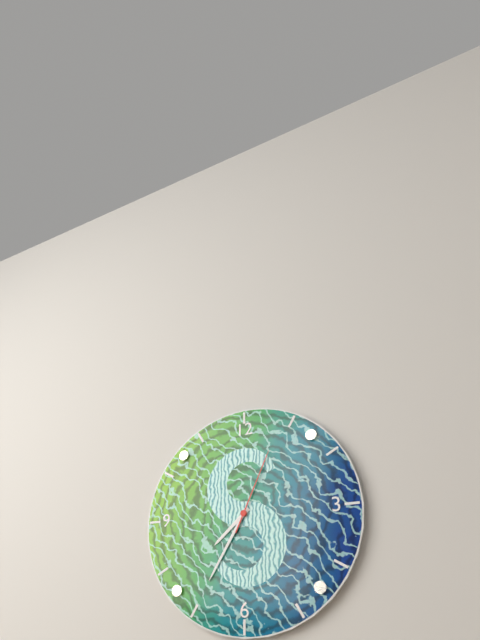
7:35:04
